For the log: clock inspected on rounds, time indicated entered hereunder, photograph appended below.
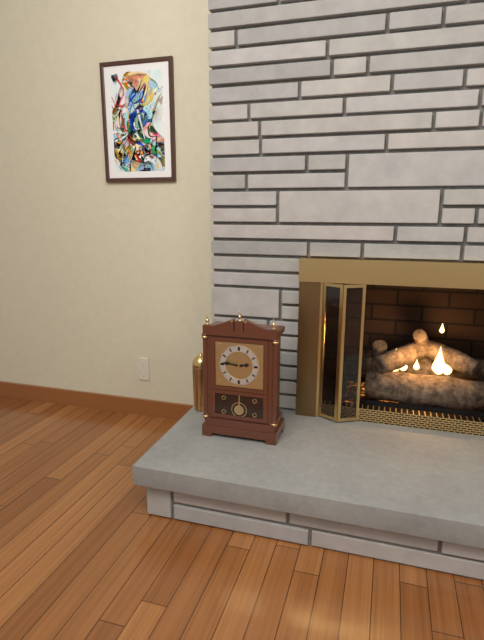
2:46
